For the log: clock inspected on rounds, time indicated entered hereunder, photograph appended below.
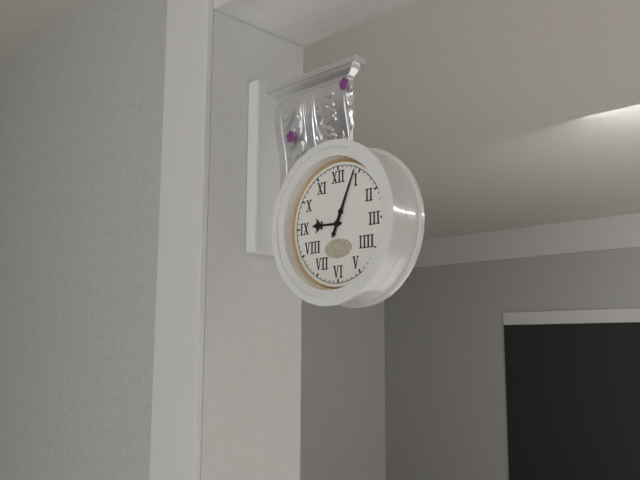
9:04
